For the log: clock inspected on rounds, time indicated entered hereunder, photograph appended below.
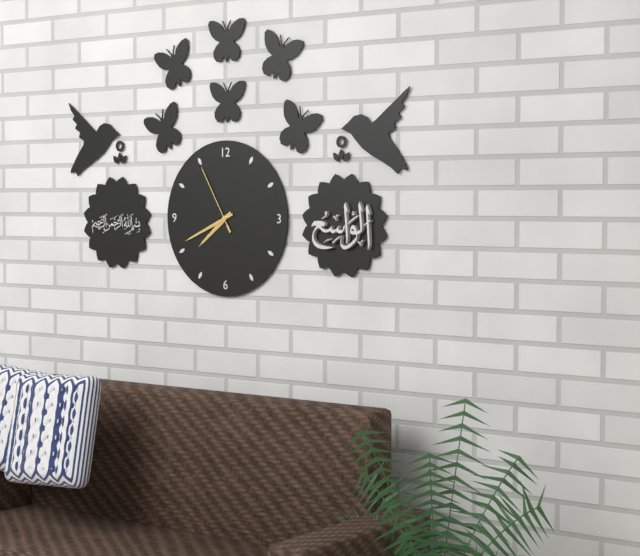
7:41:55
